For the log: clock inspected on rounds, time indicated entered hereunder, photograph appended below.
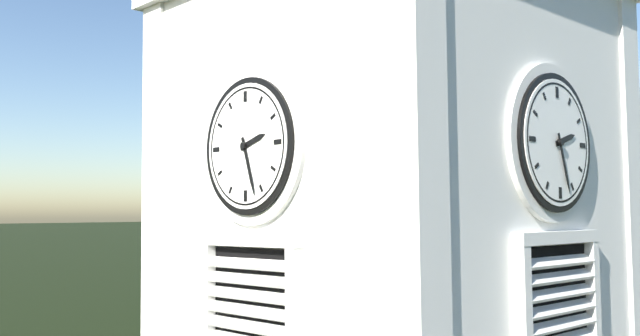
2:27
